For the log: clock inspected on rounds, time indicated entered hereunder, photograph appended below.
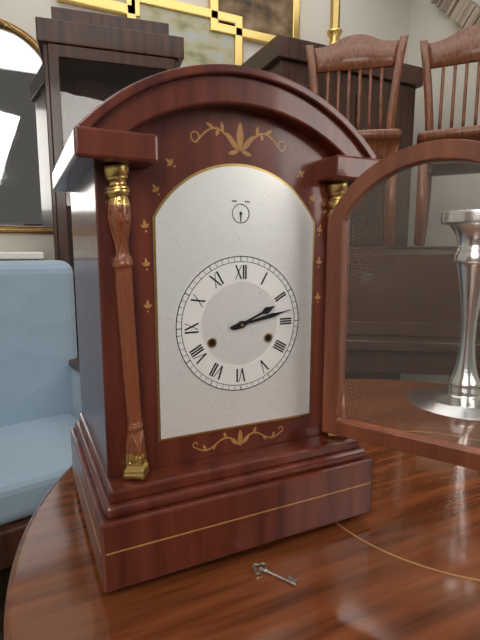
2:13
